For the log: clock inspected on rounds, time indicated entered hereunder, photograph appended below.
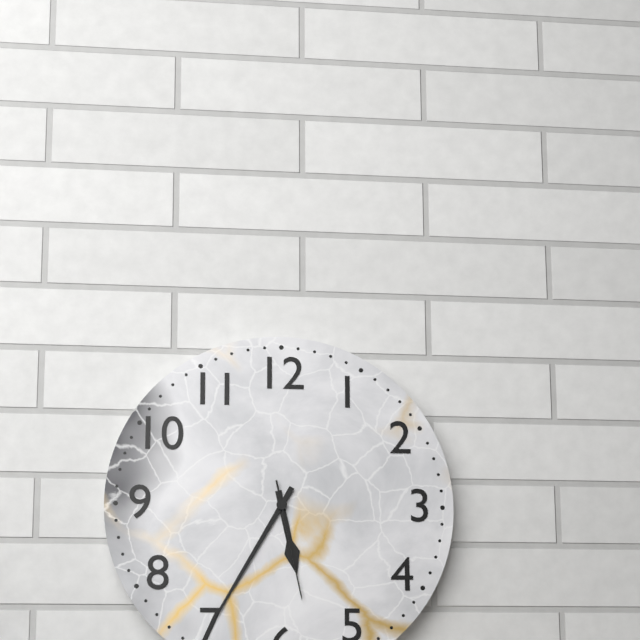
5:35:28
